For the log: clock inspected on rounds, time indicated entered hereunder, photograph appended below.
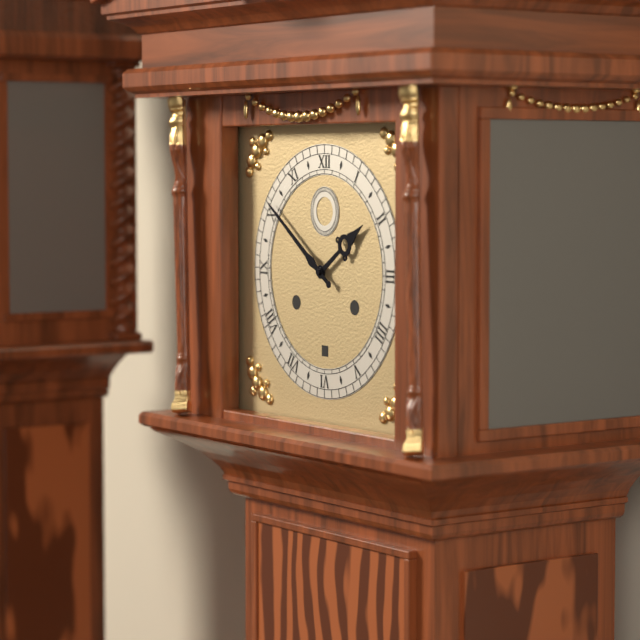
1:51
